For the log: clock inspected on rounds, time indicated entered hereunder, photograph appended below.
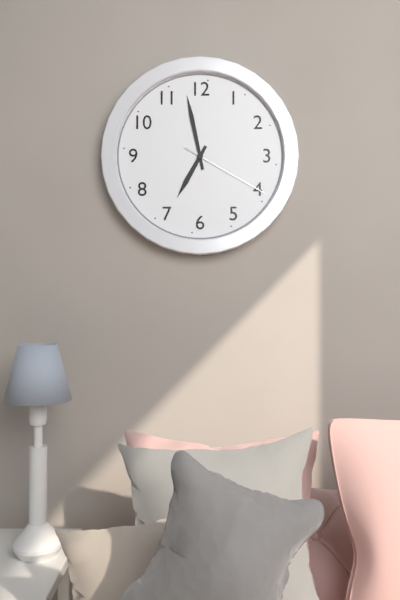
6:58:20
